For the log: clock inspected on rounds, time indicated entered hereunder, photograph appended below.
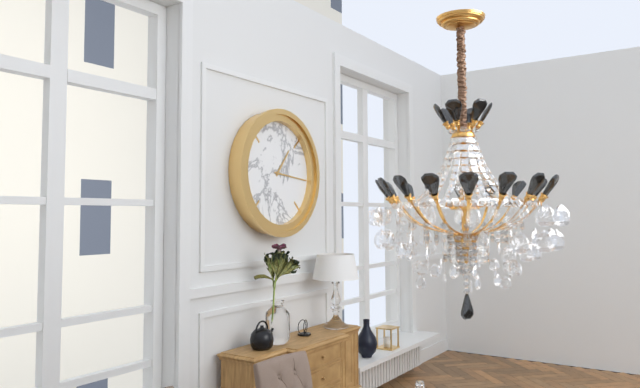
1:16
